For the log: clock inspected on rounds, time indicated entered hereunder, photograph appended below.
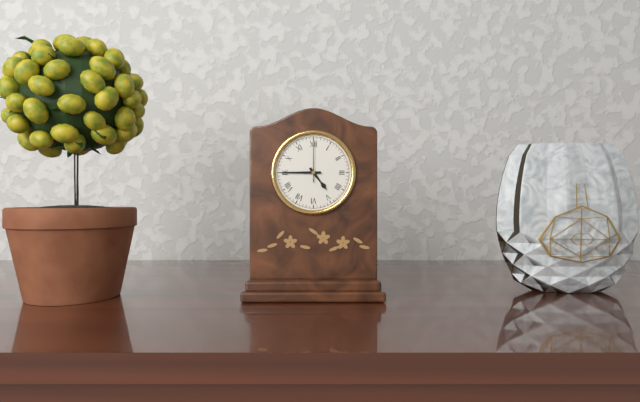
4:45
